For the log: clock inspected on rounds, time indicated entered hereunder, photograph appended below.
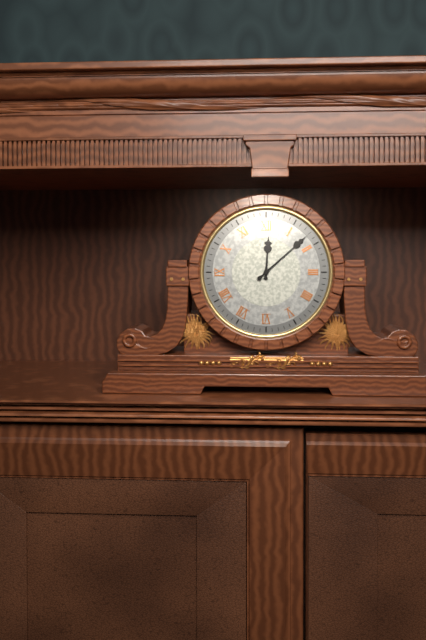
12:08
